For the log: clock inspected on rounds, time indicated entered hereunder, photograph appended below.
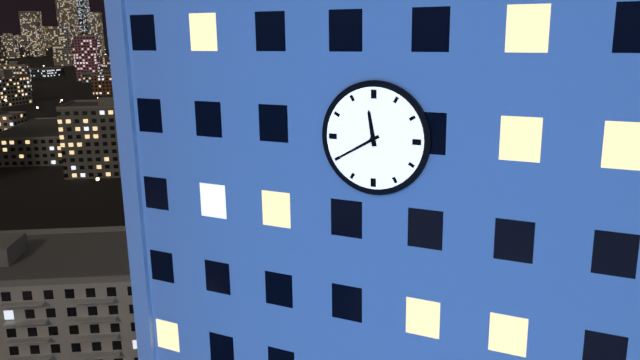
11:40
